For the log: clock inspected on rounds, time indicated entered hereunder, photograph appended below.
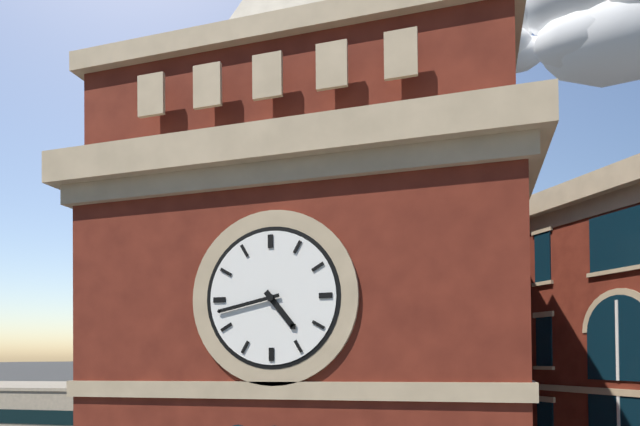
4:43
